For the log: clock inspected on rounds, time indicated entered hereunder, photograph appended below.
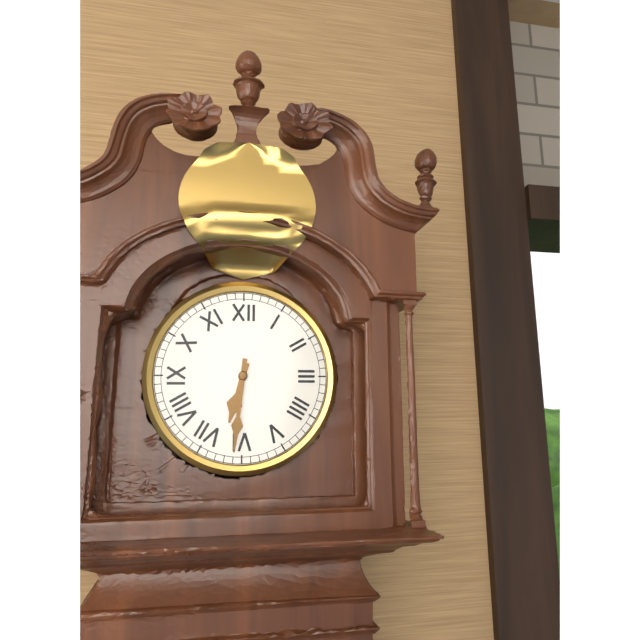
6:31
